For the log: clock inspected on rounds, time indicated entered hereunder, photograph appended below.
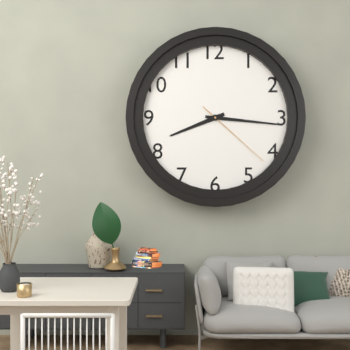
8:16:22
